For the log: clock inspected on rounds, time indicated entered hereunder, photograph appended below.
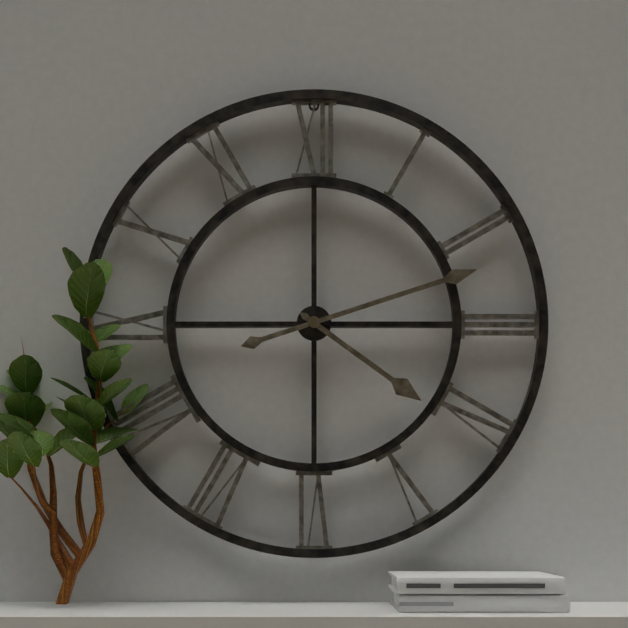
4:12
